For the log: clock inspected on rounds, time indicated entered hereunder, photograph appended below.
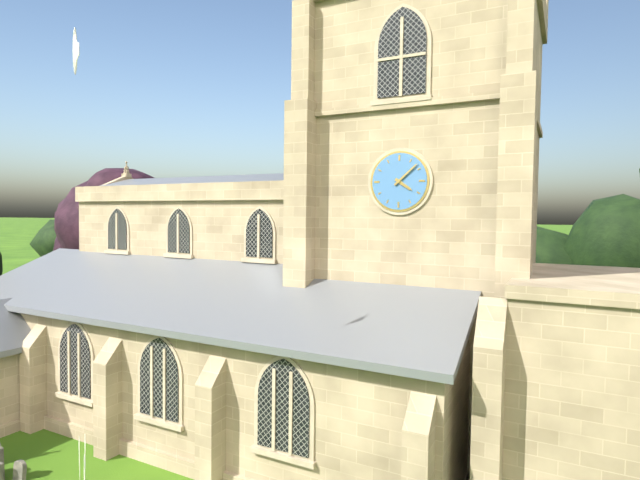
4:08
